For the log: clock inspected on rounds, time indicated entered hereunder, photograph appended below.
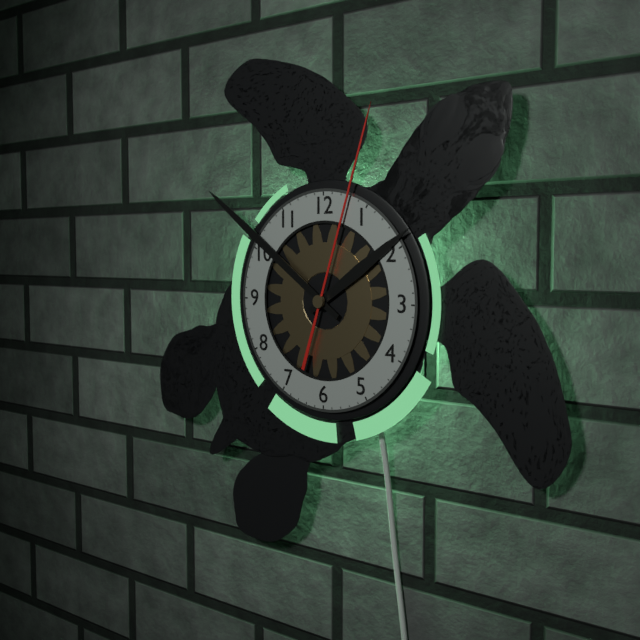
1:51:03
